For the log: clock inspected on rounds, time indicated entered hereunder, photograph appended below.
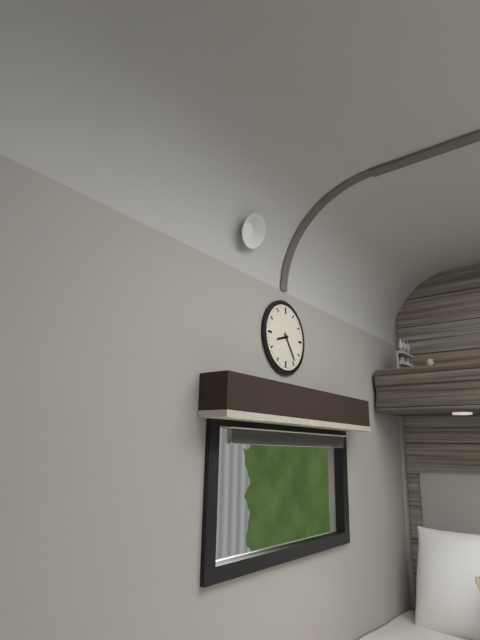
8:24
